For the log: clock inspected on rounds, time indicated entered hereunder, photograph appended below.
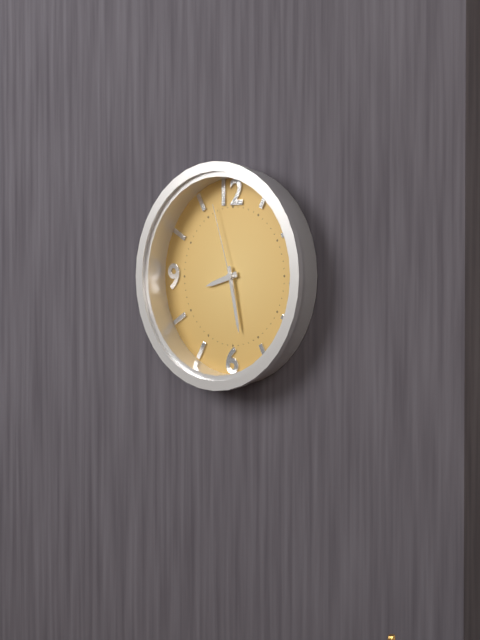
8:28:57
